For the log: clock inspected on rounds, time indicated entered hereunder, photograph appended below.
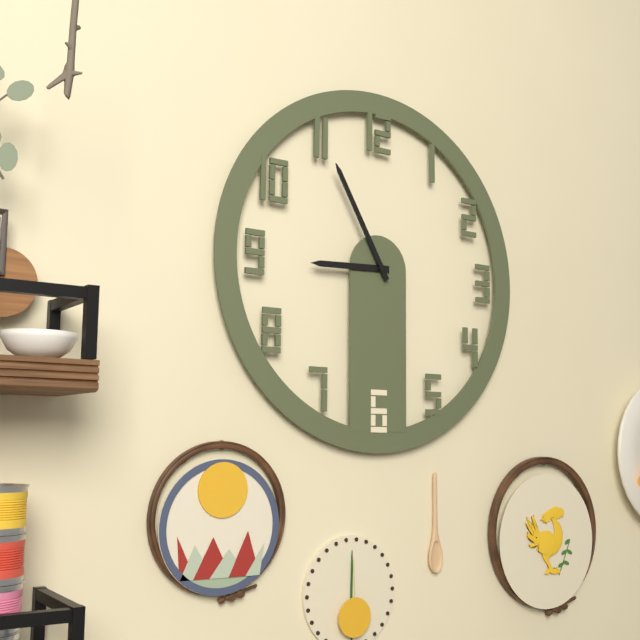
8:55
